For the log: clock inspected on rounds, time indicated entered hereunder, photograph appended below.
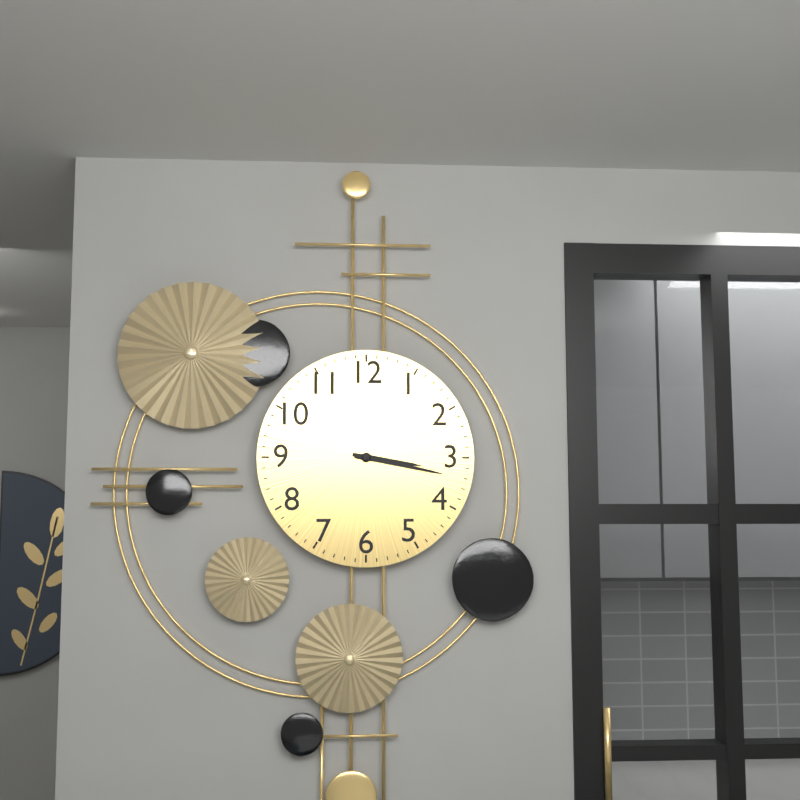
3:17
